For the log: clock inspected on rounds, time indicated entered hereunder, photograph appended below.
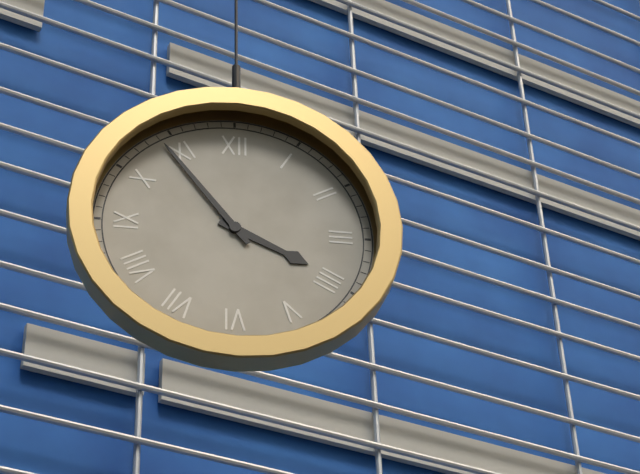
3:54
